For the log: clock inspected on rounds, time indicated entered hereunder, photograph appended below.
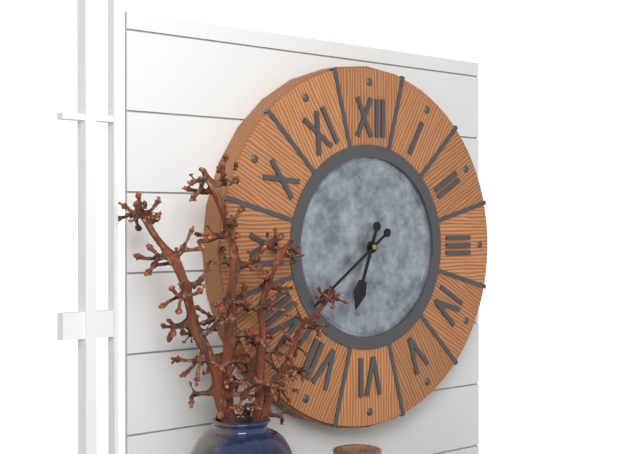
6:39
